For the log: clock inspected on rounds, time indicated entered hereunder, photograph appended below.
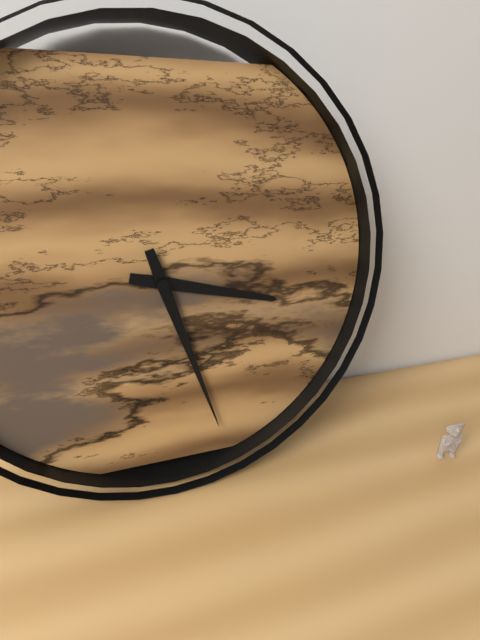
3:27
